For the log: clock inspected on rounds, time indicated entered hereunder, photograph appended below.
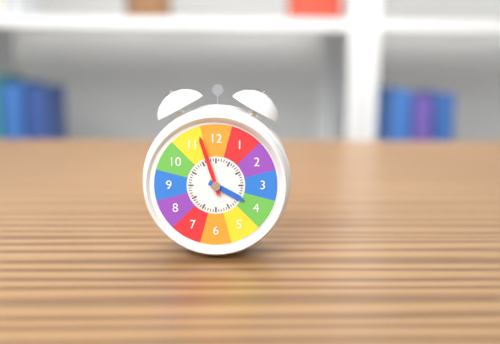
3:57
